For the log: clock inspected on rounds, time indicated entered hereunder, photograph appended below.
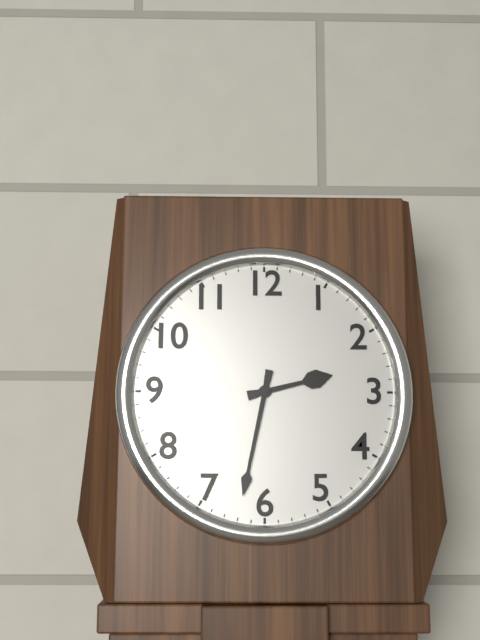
2:32
